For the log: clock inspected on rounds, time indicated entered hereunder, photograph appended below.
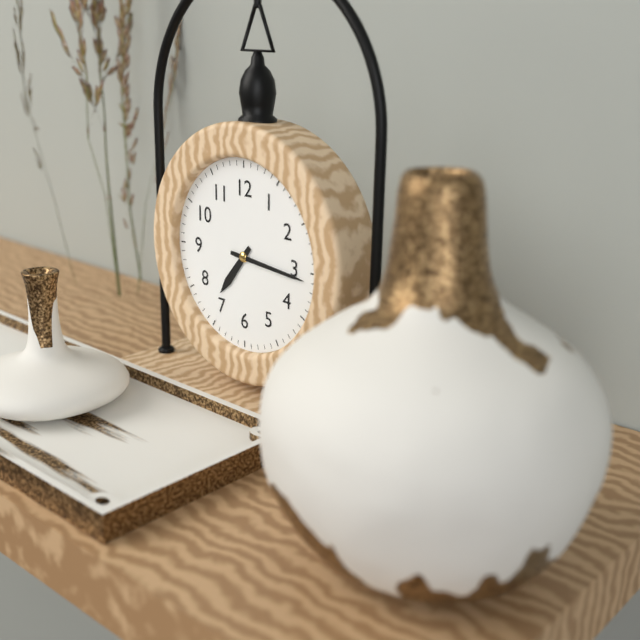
7:16
